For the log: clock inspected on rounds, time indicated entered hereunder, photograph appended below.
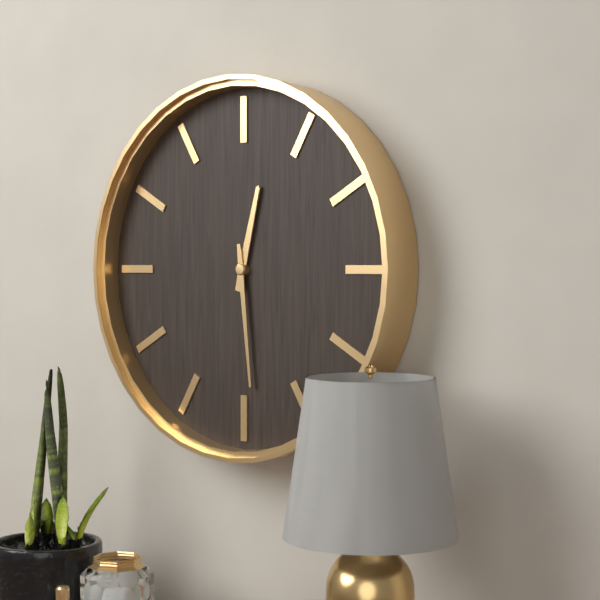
12:29
